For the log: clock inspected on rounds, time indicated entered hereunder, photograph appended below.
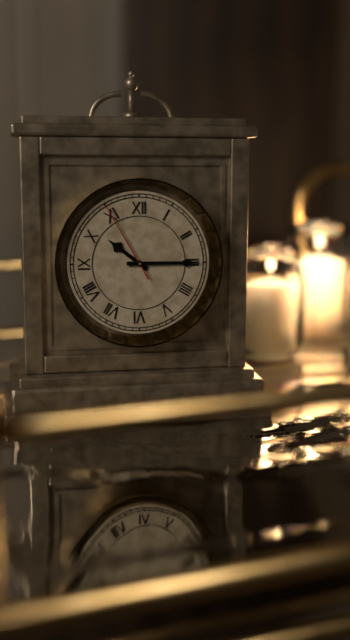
10:15:55
